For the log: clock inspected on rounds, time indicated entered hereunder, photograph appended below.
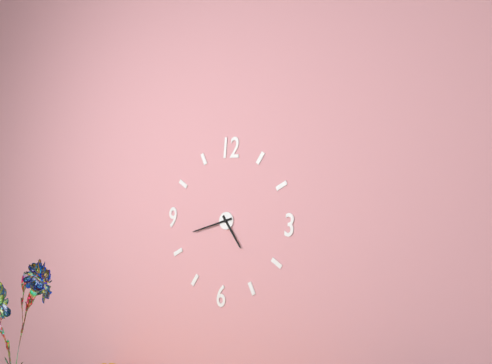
4:42
